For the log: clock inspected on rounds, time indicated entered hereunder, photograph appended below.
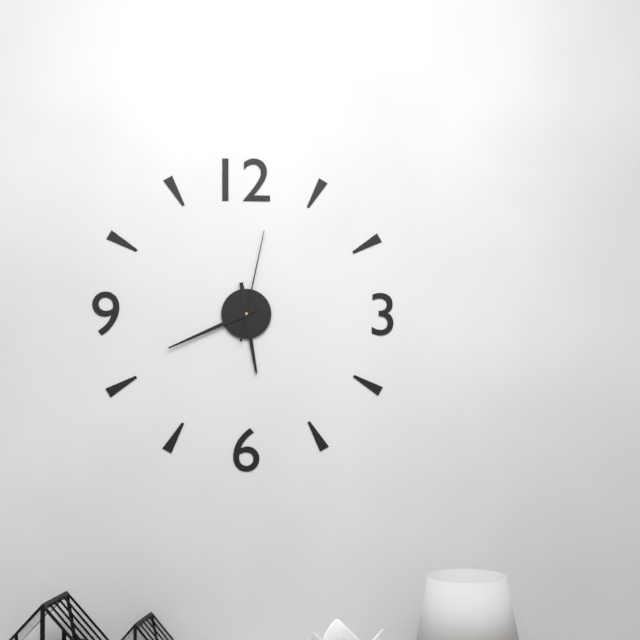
5:41:02
